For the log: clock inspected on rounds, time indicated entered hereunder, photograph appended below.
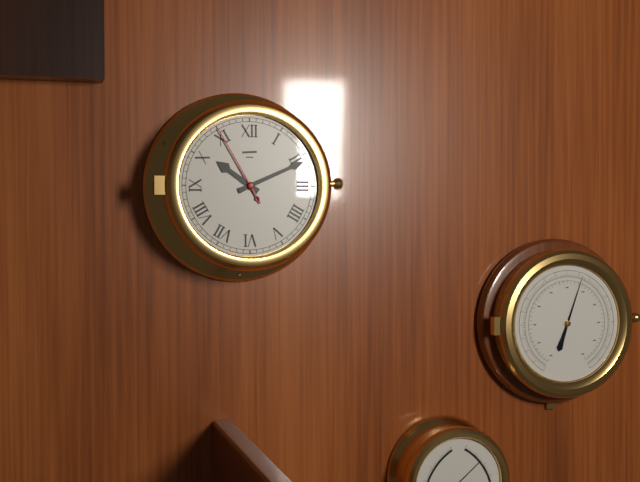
10:11:55
